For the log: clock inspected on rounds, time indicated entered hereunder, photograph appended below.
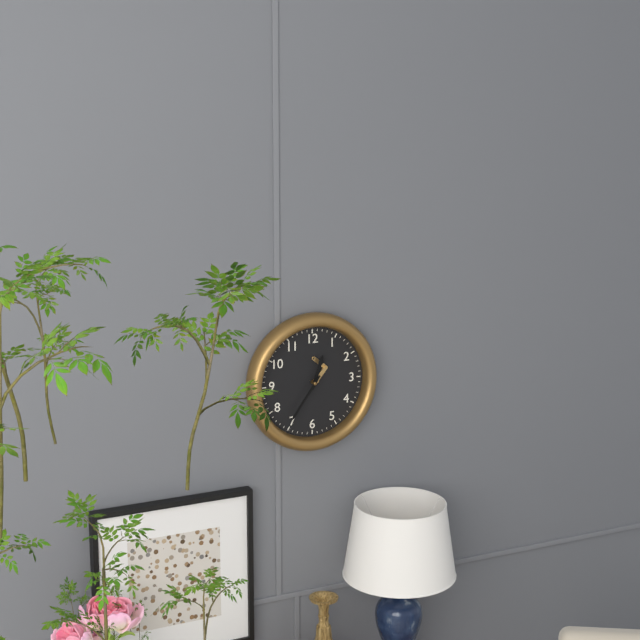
12:36
